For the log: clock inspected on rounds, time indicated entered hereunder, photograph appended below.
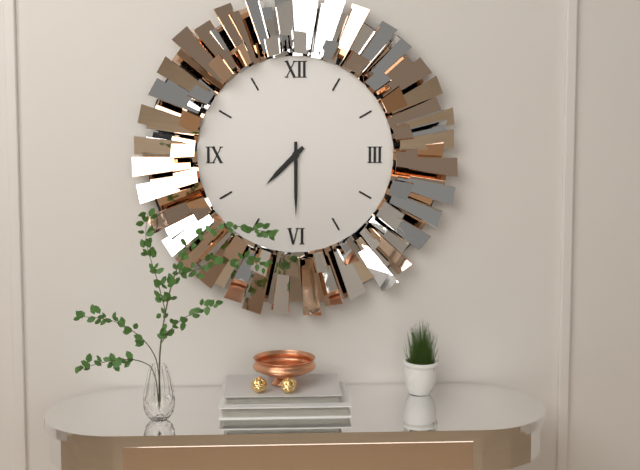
7:30
